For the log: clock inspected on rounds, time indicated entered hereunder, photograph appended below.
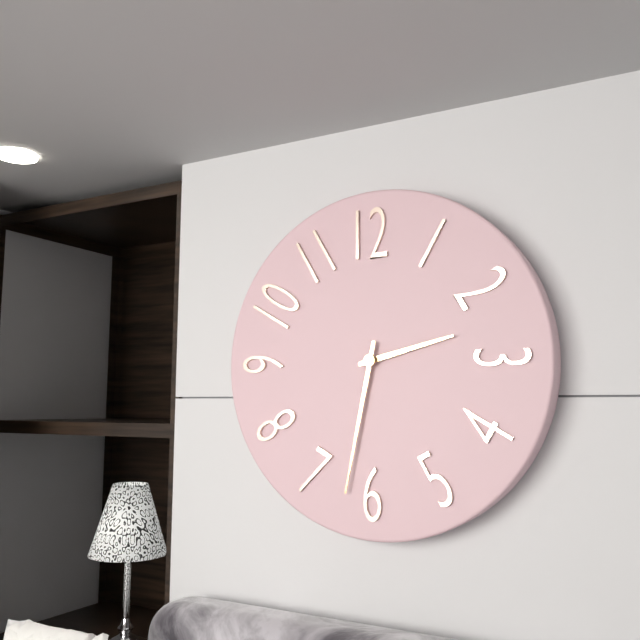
2:32
